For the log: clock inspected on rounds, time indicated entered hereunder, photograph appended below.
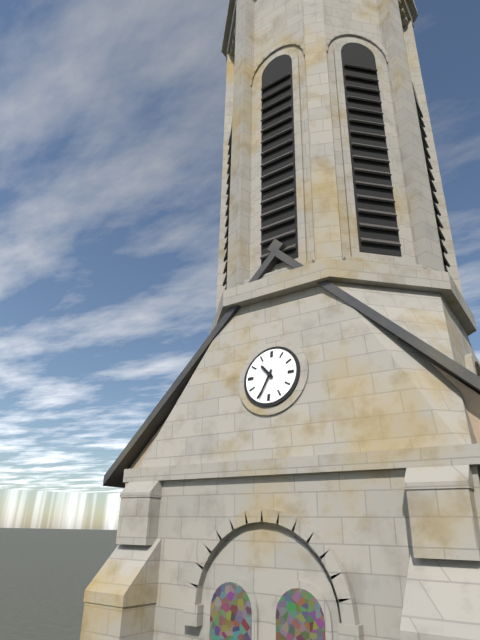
10:34
